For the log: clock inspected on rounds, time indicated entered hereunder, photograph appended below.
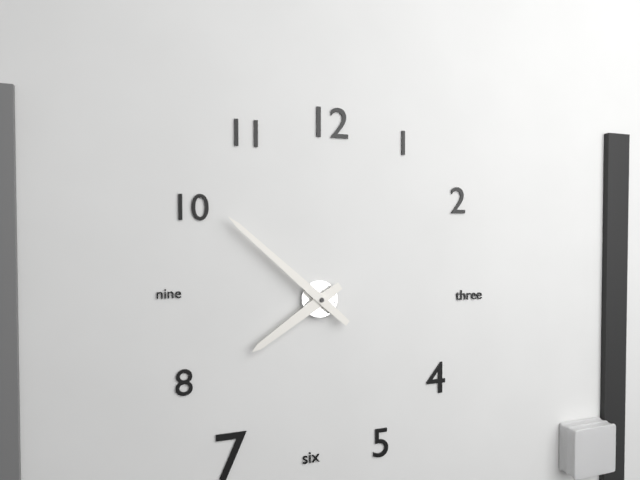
7:52
